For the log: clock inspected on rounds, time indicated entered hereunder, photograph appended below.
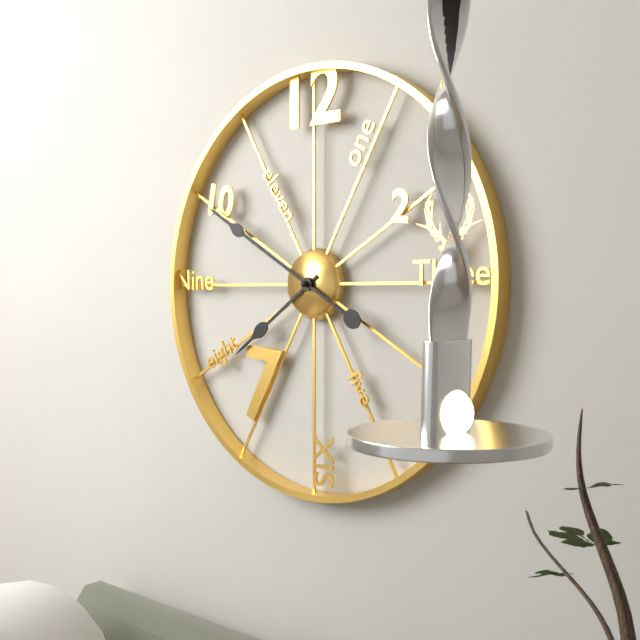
7:50
